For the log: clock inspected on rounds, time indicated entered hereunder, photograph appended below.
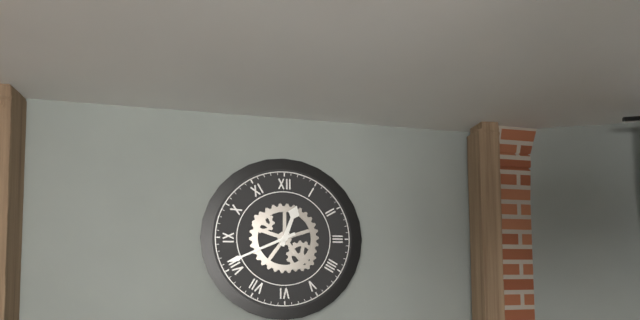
12:41
